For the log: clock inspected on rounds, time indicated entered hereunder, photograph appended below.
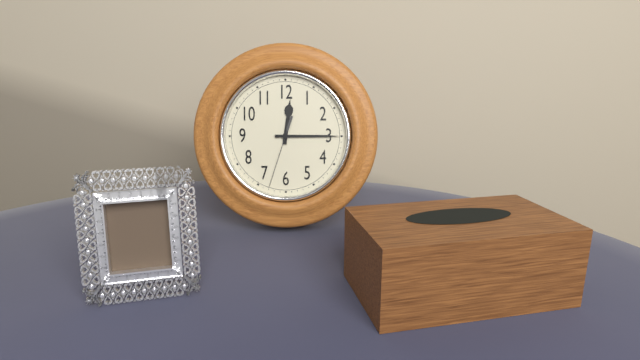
12:15:33
